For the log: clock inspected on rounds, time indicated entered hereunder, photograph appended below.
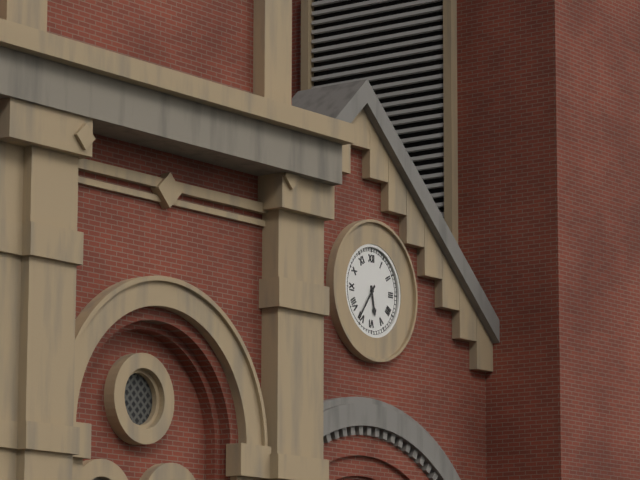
5:36
